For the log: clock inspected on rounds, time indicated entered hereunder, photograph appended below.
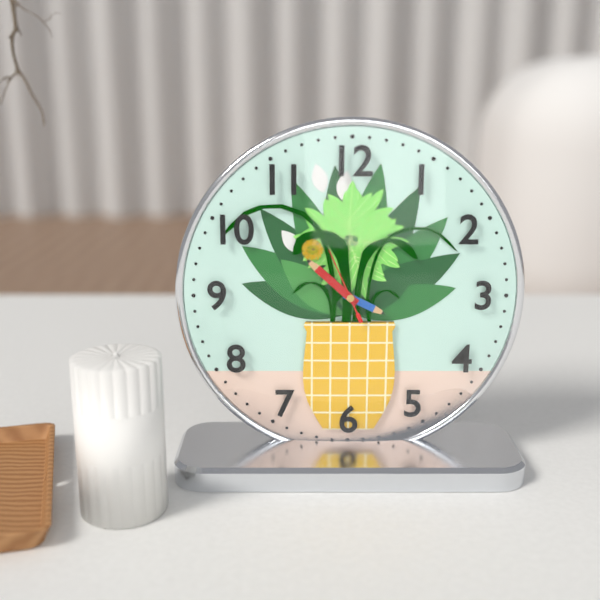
3:52:56
